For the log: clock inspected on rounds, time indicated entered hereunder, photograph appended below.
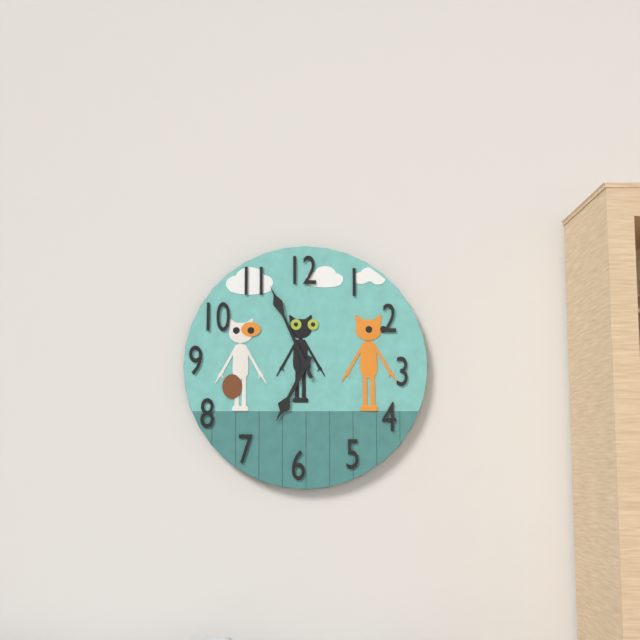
6:56
